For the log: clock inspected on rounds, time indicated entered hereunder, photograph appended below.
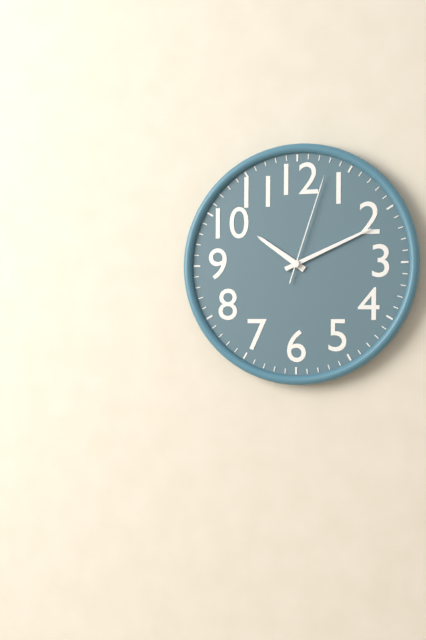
10:11:03
